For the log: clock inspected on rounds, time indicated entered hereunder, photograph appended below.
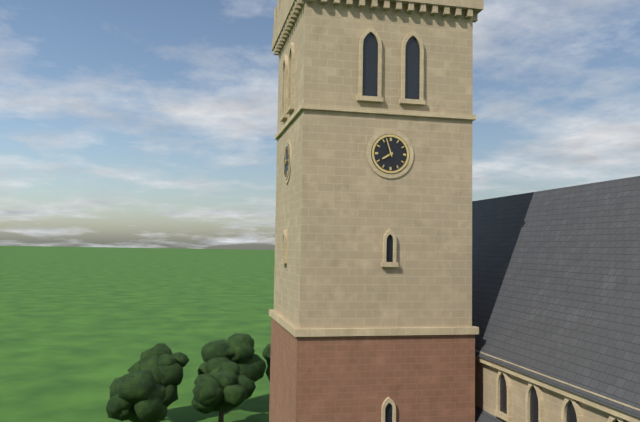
7:57
